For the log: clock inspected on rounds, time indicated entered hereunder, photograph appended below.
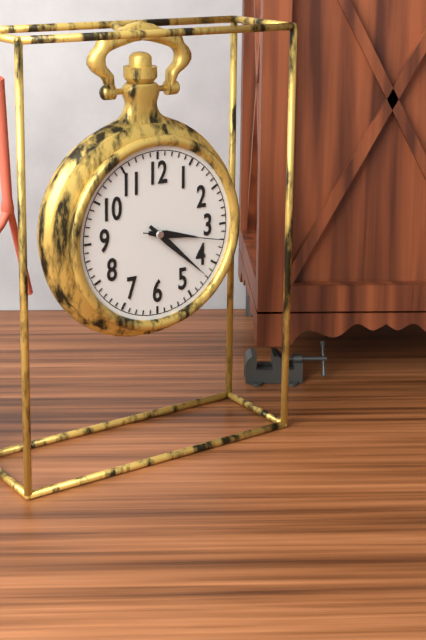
3:22:17
